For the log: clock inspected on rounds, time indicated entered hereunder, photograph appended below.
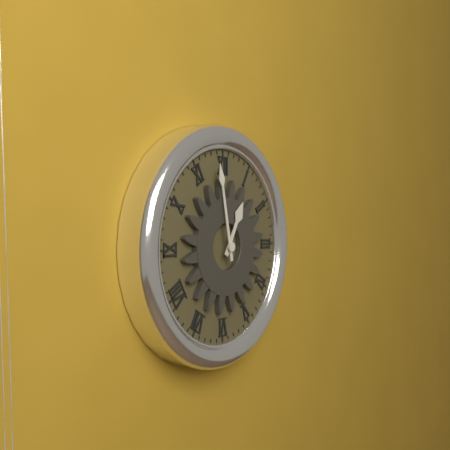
12:58
